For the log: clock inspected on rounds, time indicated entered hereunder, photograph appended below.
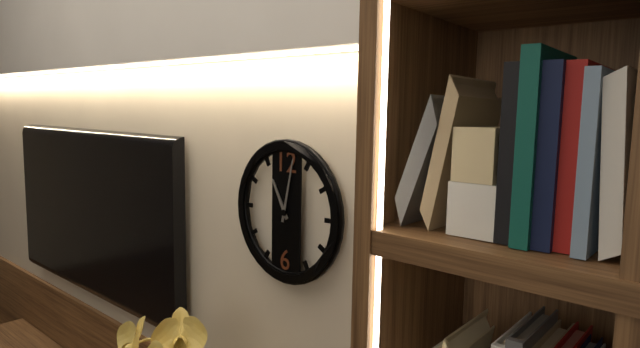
11:02
